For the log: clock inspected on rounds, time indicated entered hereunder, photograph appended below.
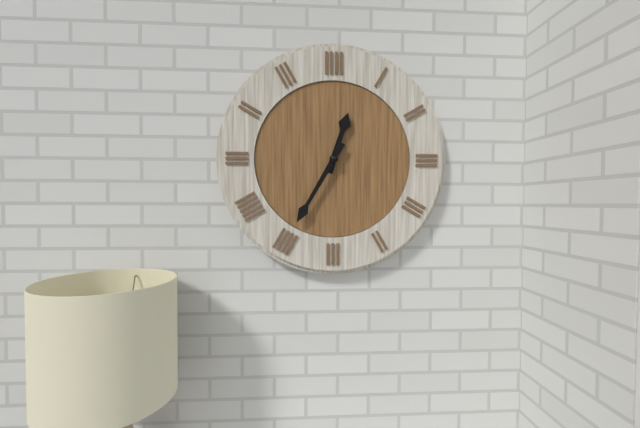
12:35
